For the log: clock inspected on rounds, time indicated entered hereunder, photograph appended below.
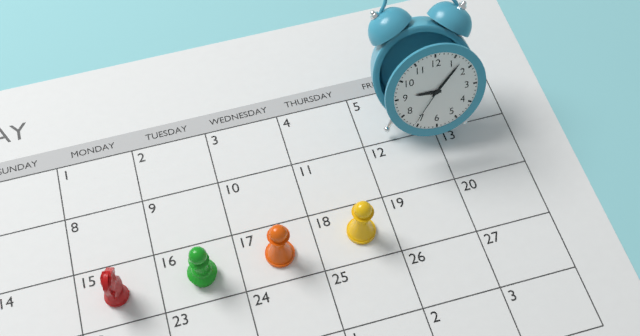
9:07:36
